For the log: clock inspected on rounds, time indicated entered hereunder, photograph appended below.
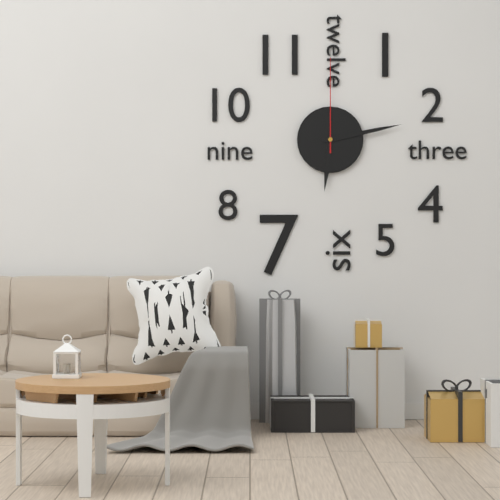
6:13:00
